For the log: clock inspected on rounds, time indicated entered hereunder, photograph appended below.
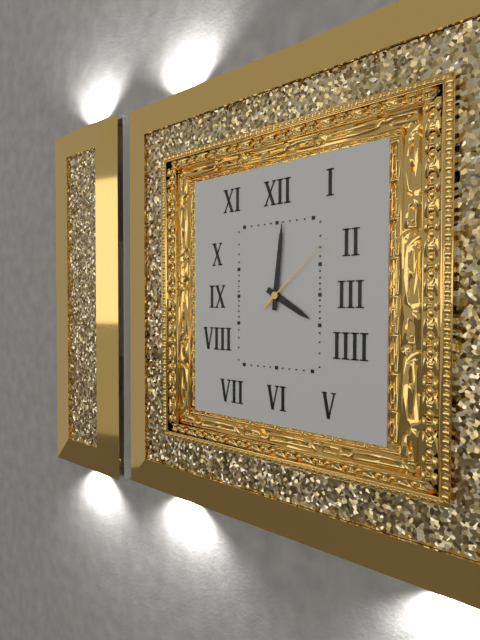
4:01:08
